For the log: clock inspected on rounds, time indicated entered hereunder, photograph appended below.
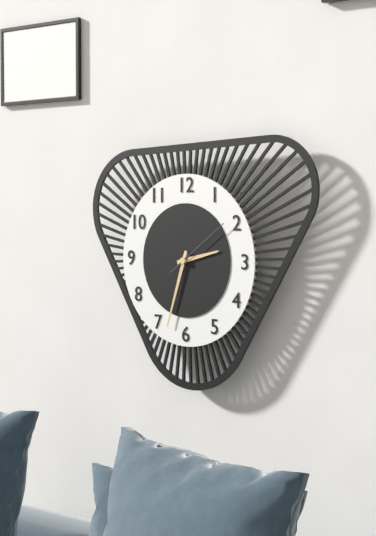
2:33:09
